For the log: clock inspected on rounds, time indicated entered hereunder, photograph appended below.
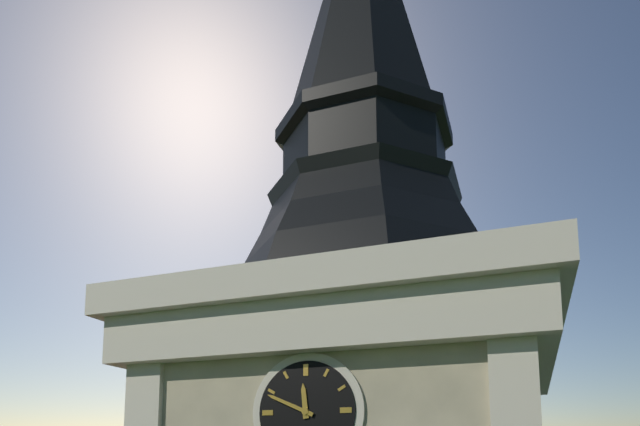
11:49
